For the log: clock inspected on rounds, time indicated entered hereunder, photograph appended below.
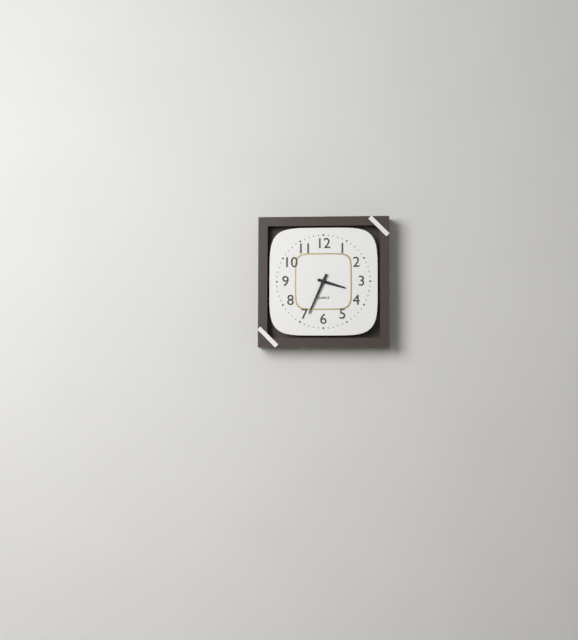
3:34
